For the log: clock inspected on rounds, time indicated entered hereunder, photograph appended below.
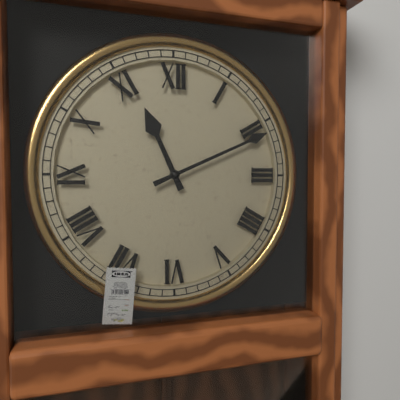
11:11
